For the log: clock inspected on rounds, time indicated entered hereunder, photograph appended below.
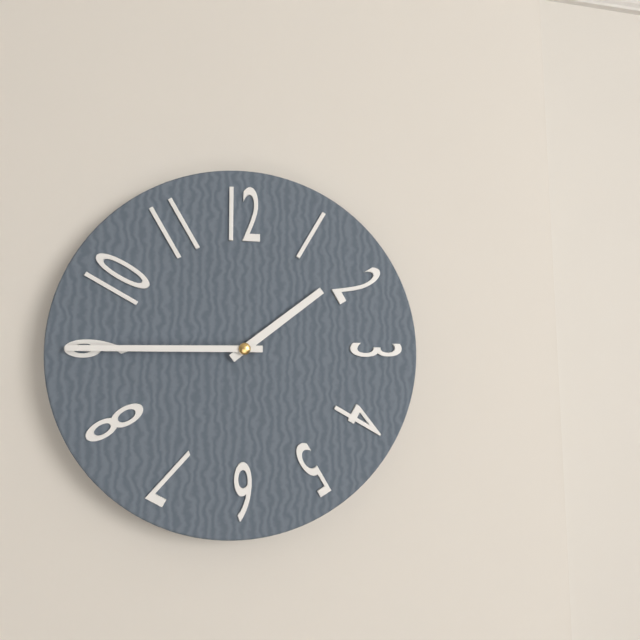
1:45
